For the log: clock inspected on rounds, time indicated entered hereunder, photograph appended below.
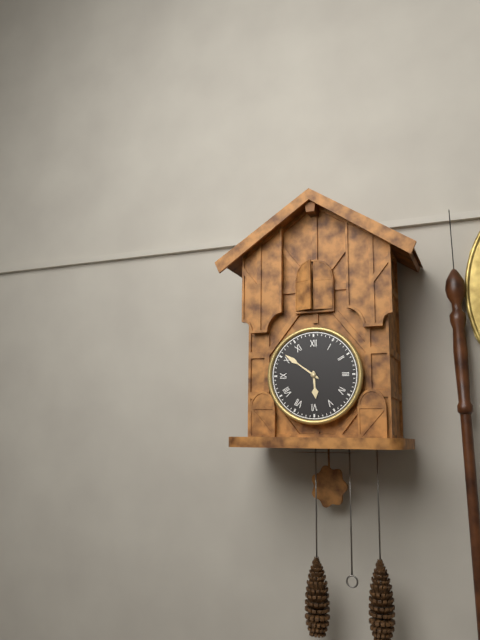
5:51
